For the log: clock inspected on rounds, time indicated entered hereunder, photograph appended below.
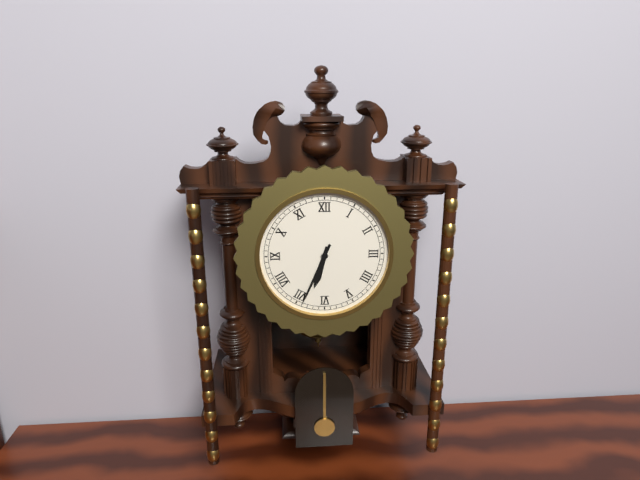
6:34
